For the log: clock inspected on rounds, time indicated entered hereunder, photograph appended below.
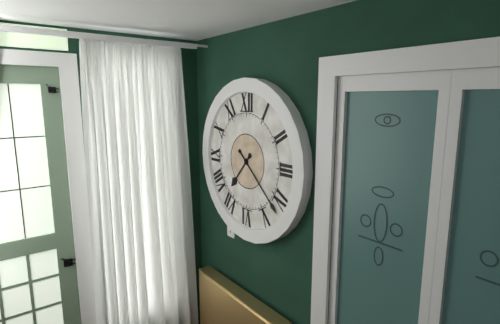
7:22
